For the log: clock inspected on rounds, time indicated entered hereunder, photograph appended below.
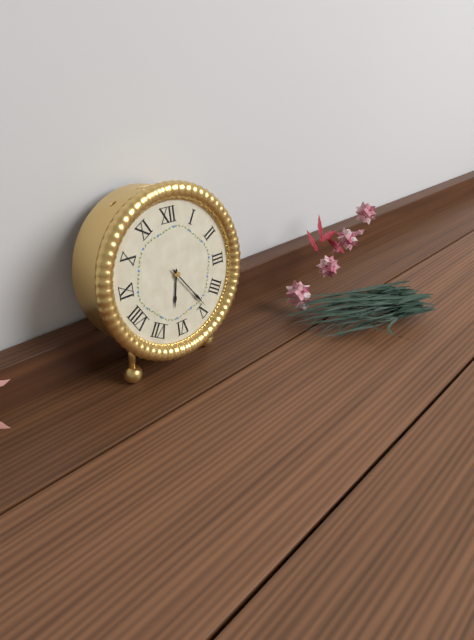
6:24
